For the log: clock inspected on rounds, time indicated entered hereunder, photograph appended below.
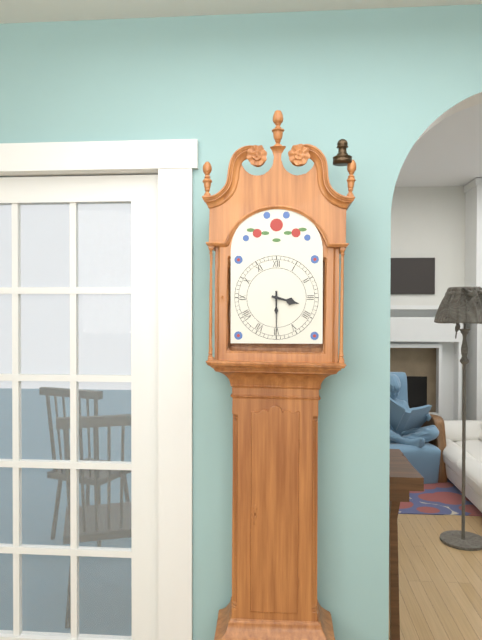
3:30
